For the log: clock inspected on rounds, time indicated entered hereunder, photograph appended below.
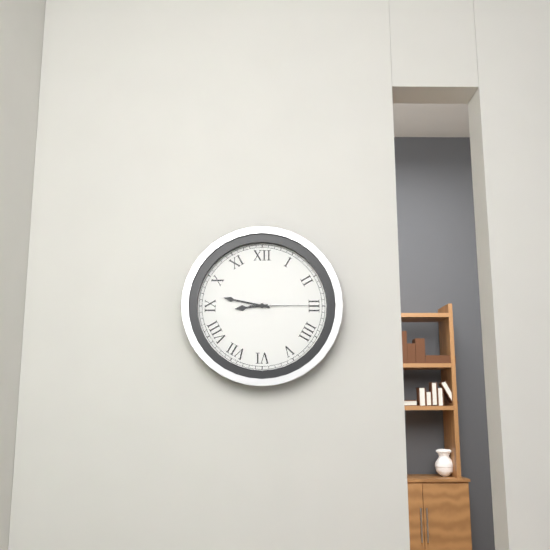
8:47:15
